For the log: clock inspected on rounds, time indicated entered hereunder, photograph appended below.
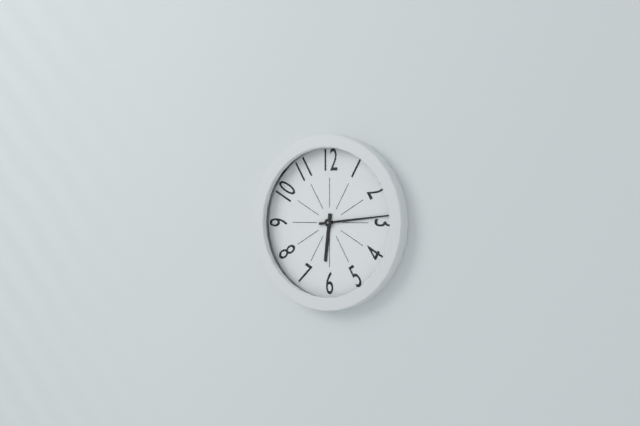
6:14
